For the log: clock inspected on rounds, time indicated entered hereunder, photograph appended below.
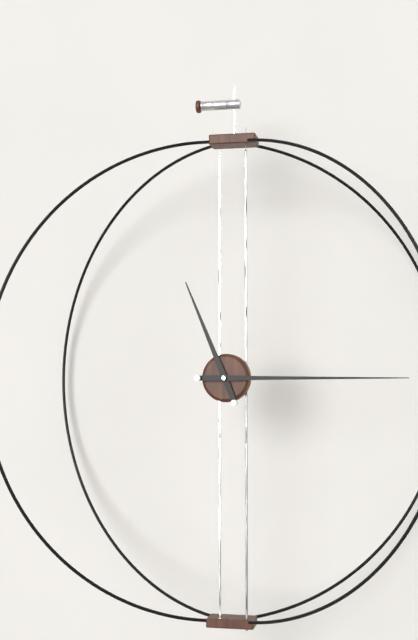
11:15
